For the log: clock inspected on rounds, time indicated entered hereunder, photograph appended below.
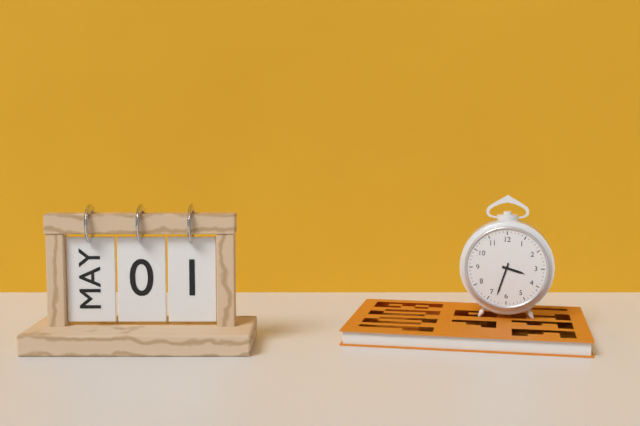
3:33
